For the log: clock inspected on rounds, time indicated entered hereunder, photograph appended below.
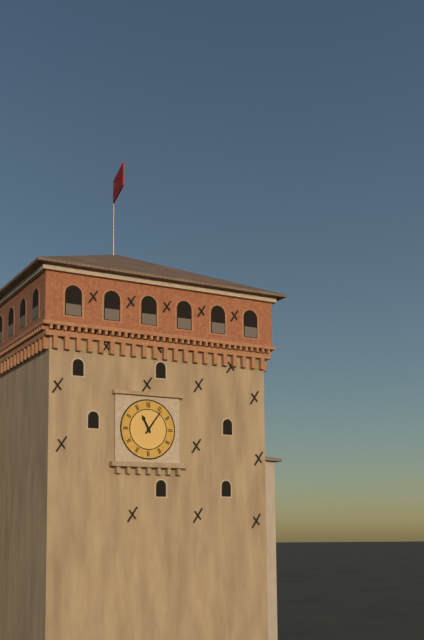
11:06
